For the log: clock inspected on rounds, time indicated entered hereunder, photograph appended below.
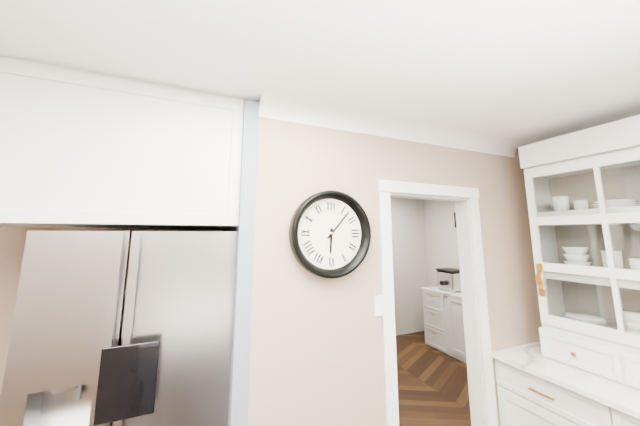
6:07
